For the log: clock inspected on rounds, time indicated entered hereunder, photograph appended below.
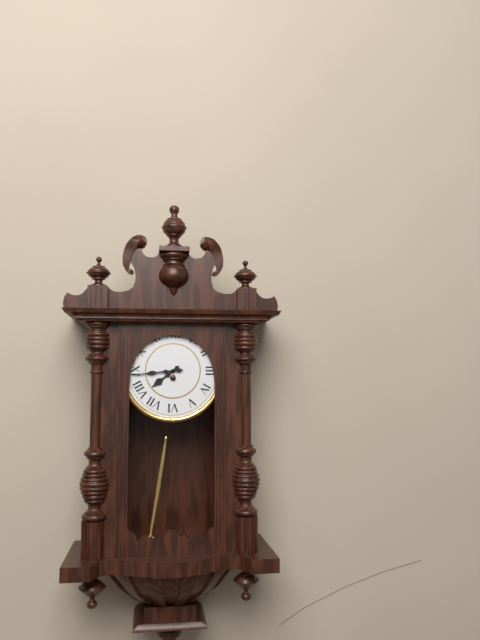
7:44
